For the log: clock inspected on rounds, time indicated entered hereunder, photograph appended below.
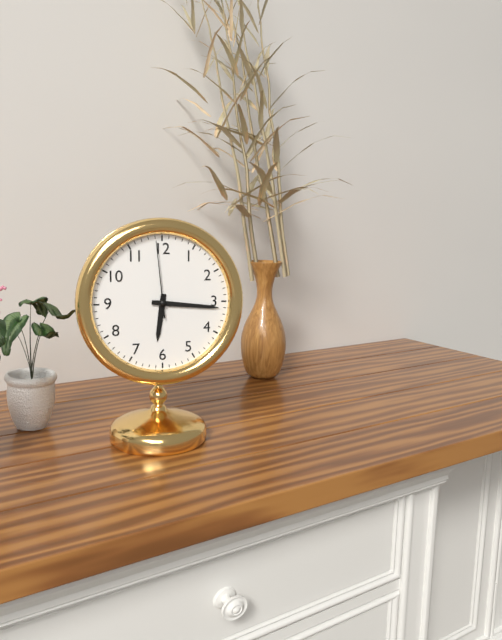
6:16:59
